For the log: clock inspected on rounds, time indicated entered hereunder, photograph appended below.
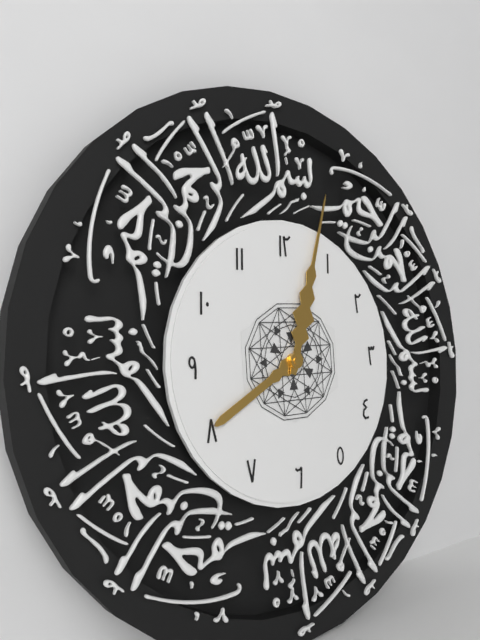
8:03
